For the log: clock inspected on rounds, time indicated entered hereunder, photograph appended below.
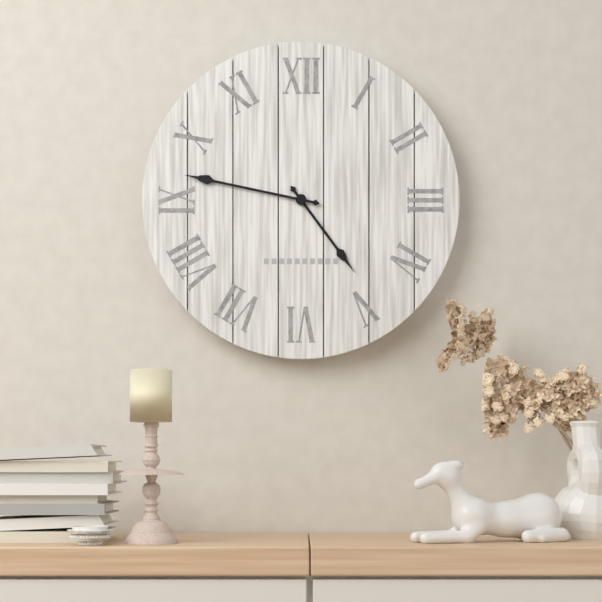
4:47
